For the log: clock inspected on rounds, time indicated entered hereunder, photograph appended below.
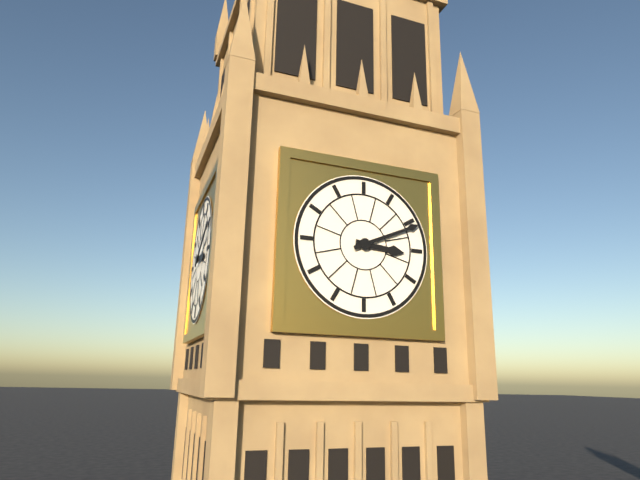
3:11
